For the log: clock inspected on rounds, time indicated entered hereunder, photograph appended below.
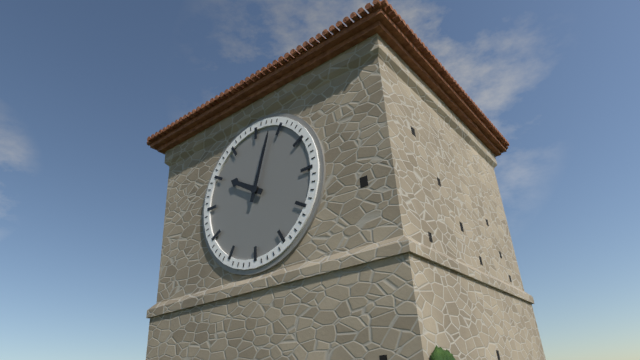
10:03
